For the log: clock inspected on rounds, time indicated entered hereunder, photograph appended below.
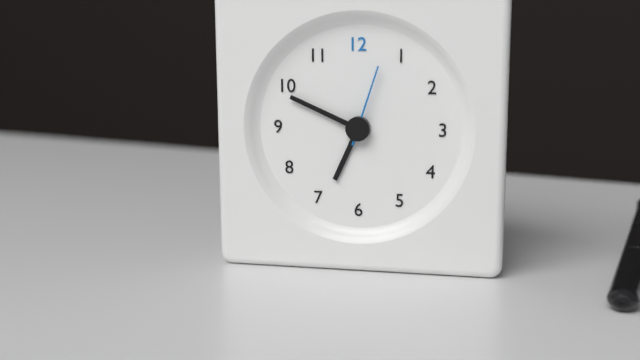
6:49:03
